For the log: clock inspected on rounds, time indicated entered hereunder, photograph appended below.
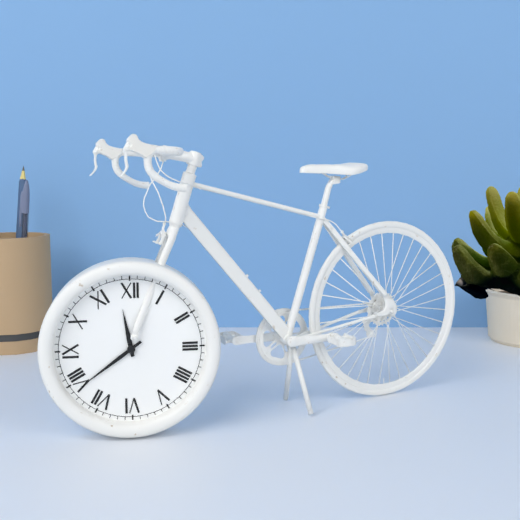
11:39
